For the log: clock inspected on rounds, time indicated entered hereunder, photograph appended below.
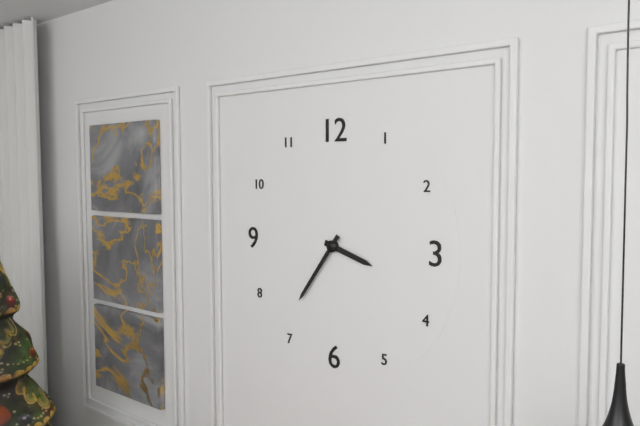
3:36
